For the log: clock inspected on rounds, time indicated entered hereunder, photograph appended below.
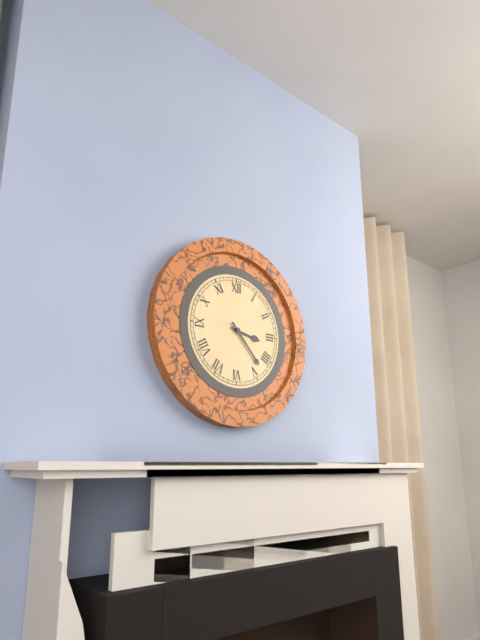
3:23
